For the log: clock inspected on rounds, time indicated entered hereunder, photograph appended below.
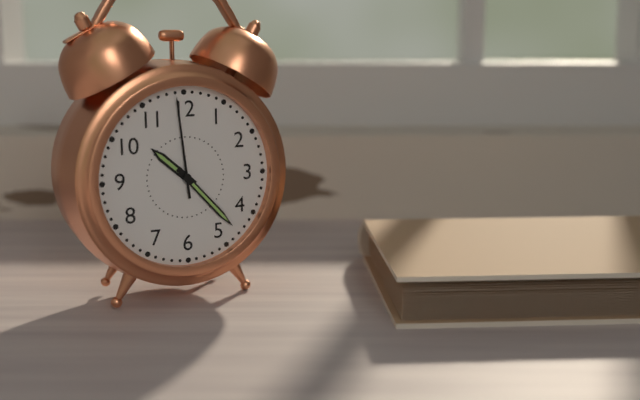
10:23:59
